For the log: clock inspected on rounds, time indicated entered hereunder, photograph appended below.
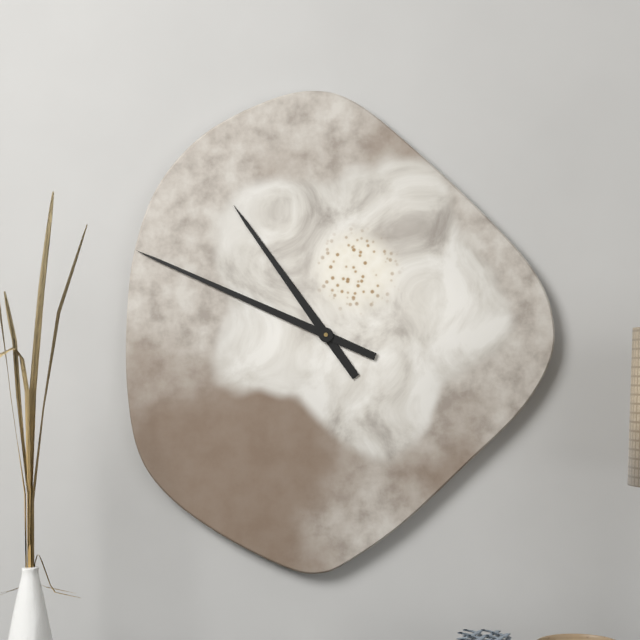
10:49
